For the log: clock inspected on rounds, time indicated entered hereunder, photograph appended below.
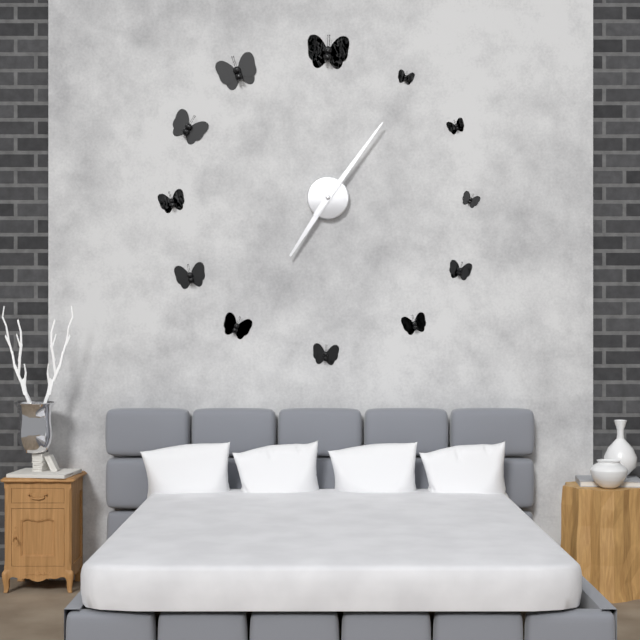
7:06
